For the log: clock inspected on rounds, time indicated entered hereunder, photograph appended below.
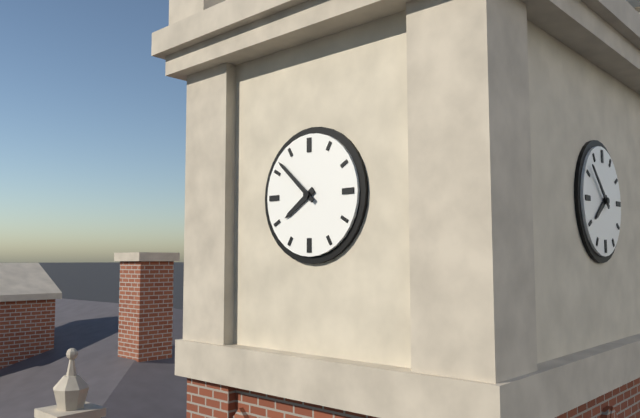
7:52
